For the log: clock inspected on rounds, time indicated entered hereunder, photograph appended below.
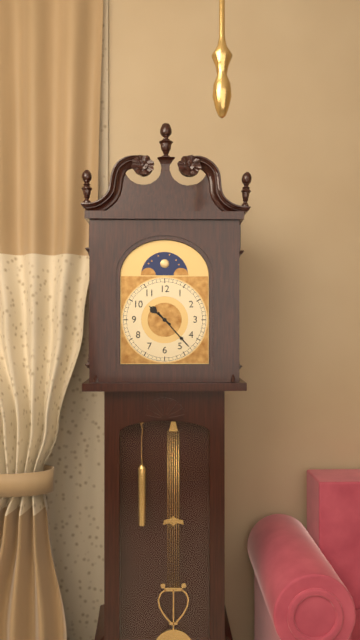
10:23
